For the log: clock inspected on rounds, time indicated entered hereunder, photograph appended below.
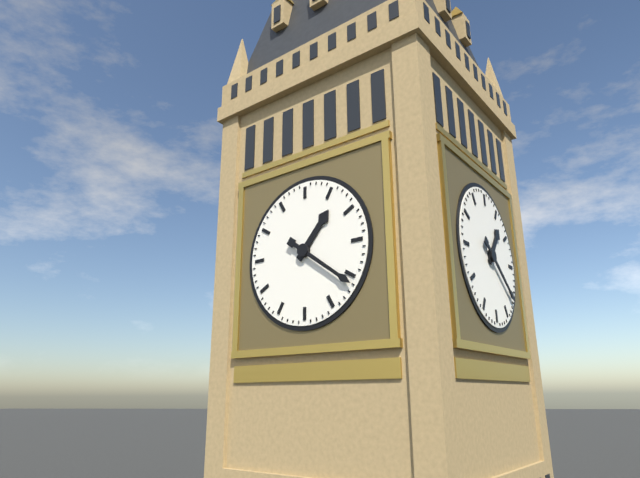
1:21
